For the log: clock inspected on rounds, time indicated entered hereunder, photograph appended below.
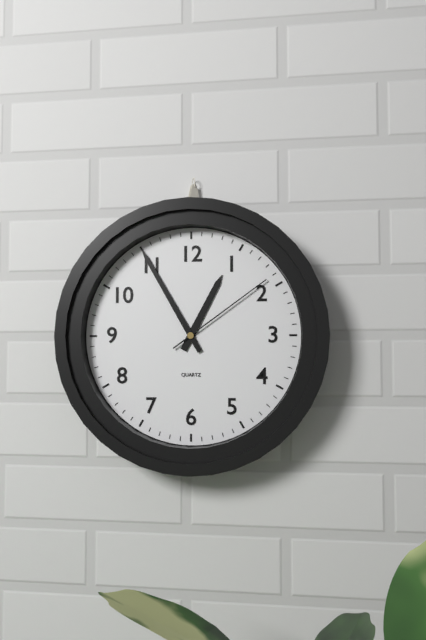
12:55:09
